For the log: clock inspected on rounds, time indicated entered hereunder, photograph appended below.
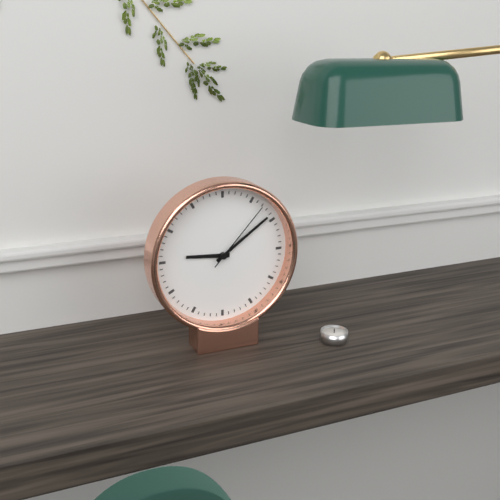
9:09:07
